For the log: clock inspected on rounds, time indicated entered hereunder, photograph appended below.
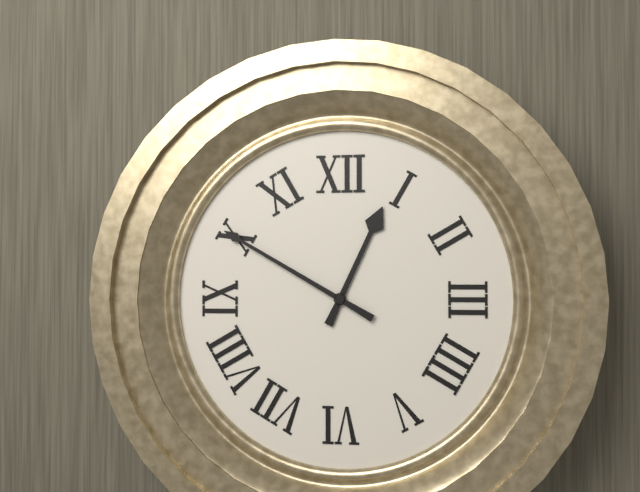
12:50
